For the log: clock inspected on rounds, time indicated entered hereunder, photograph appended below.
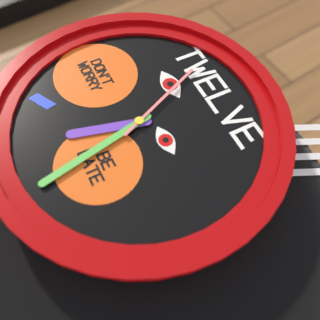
6:28:56
